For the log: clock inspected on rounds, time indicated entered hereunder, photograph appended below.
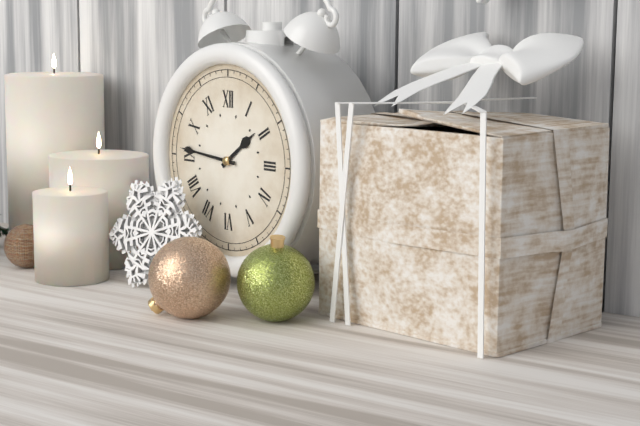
1:46
